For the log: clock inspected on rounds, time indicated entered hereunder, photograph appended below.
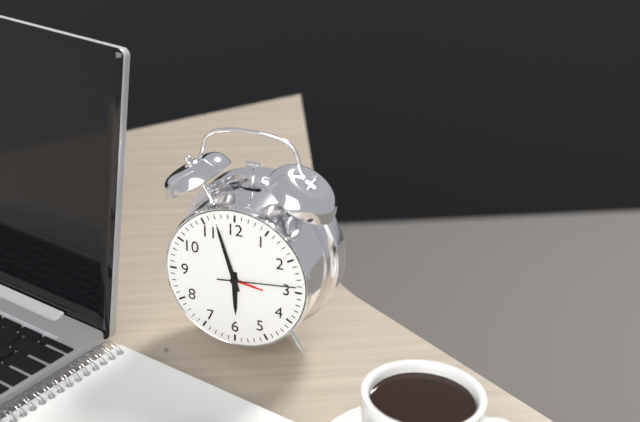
5:57:14
